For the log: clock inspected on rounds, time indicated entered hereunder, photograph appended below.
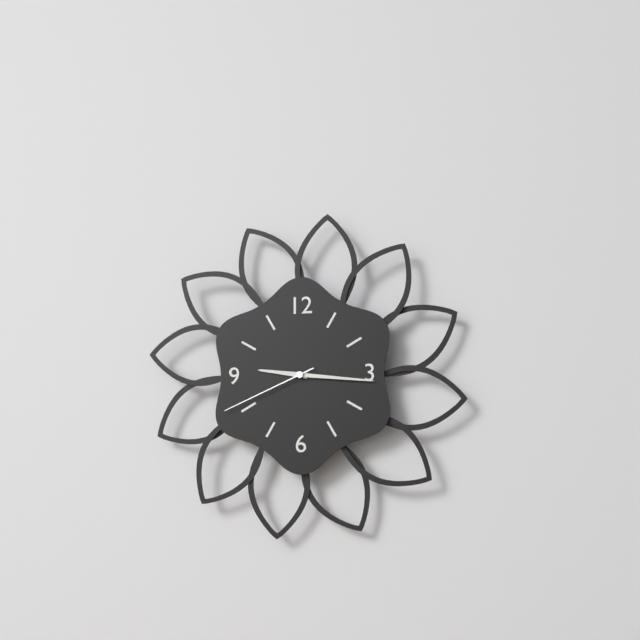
9:16:41
